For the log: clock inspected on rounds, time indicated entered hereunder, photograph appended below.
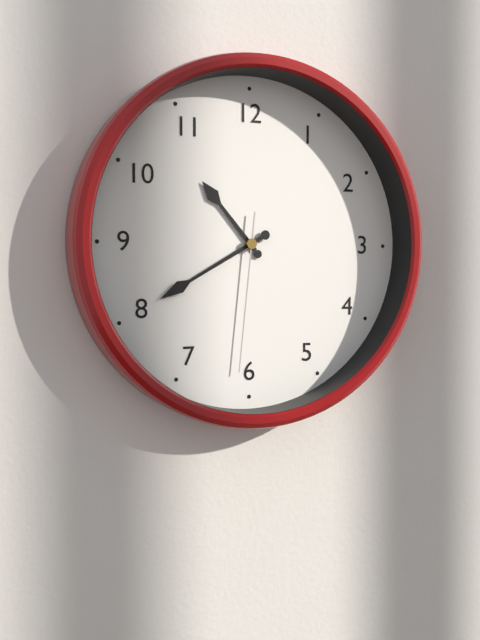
10:40:31
